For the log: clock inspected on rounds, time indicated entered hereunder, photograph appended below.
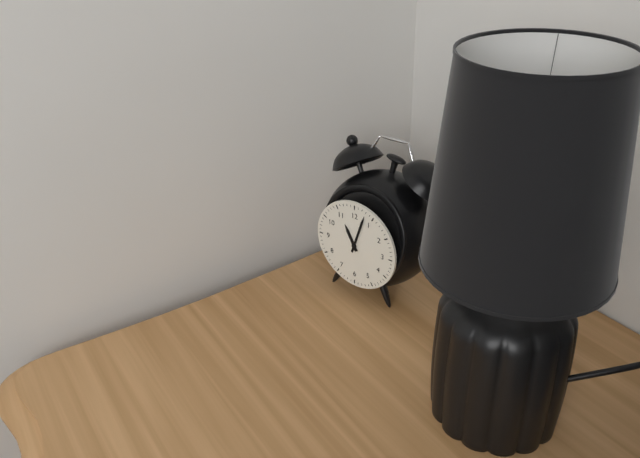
11:03
